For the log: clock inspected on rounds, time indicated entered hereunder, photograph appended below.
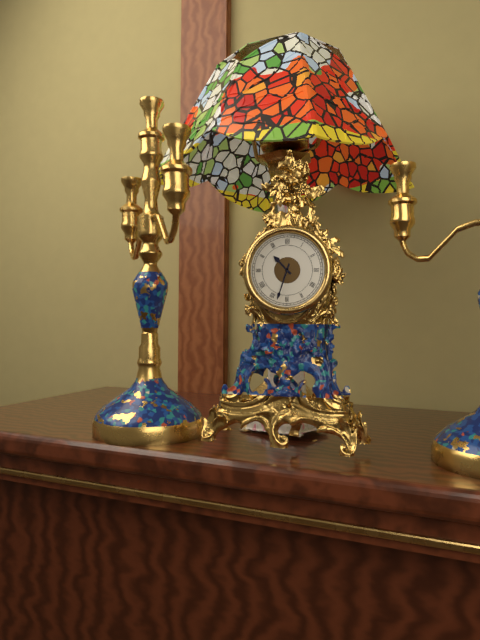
10:33
